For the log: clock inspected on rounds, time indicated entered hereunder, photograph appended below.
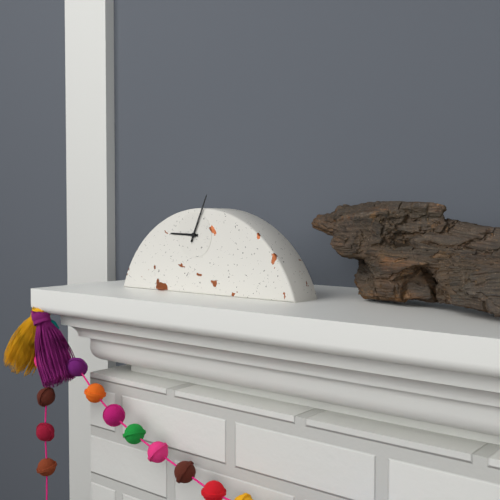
9:04
